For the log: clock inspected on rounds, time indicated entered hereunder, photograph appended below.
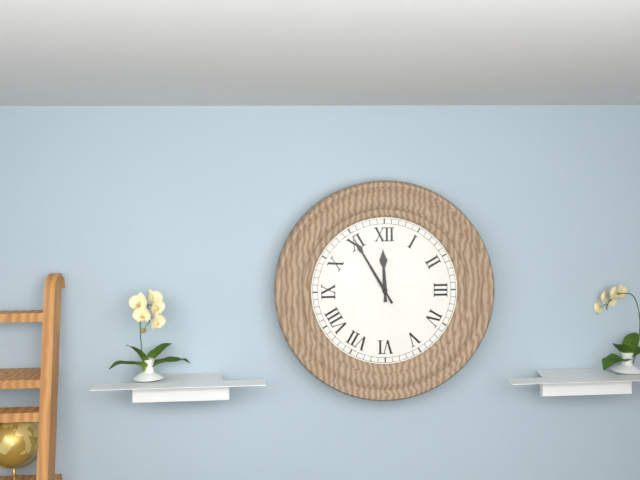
11:55
